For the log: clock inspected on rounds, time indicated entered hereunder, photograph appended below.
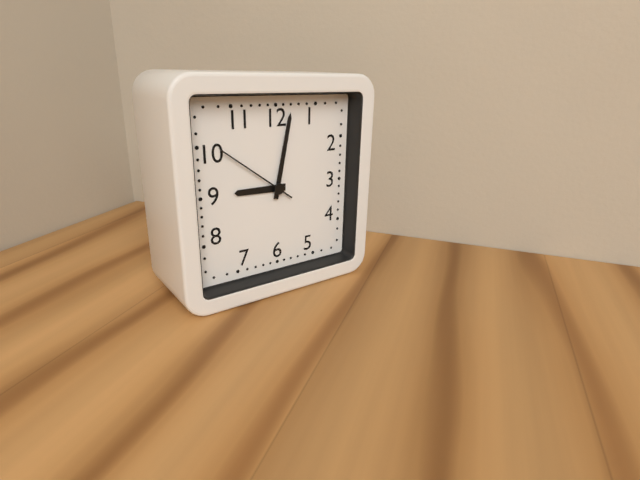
9:02:51
